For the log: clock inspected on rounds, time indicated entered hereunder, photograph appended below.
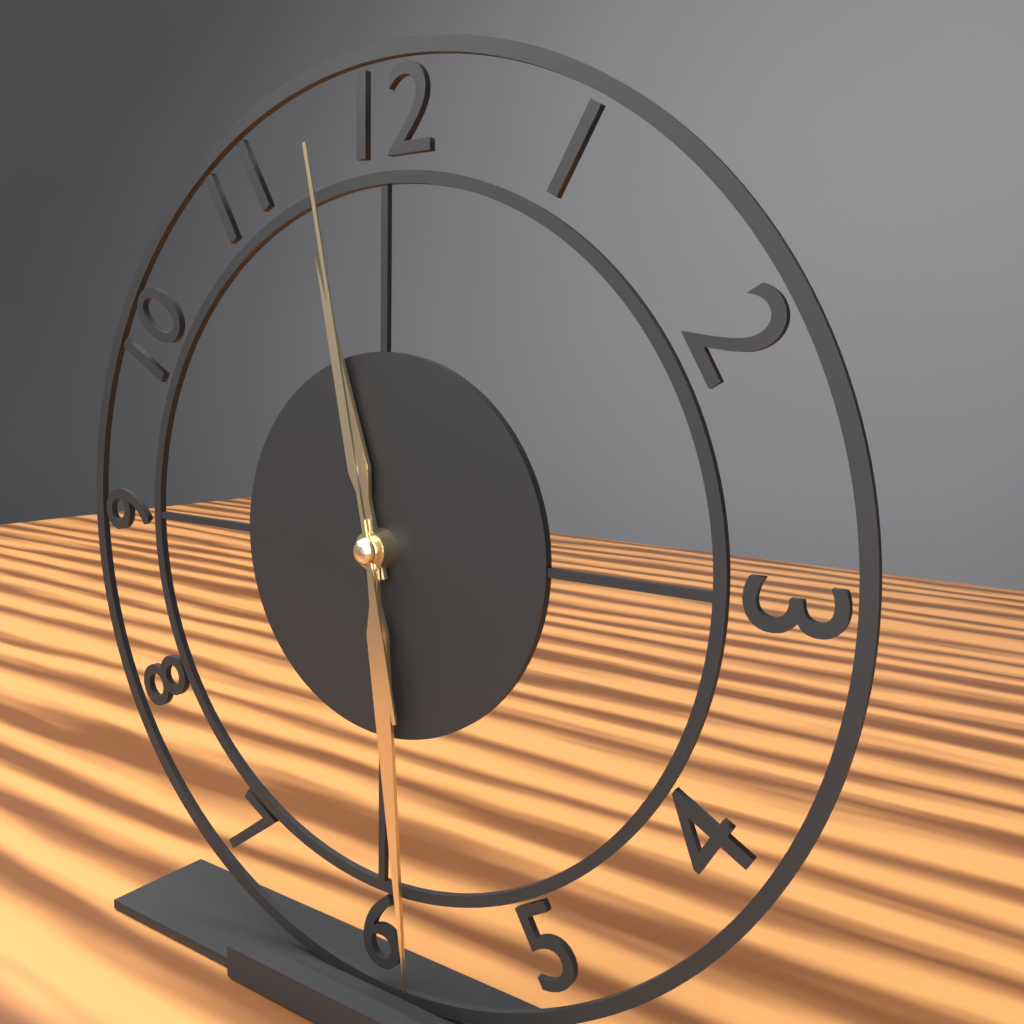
11:29:58
